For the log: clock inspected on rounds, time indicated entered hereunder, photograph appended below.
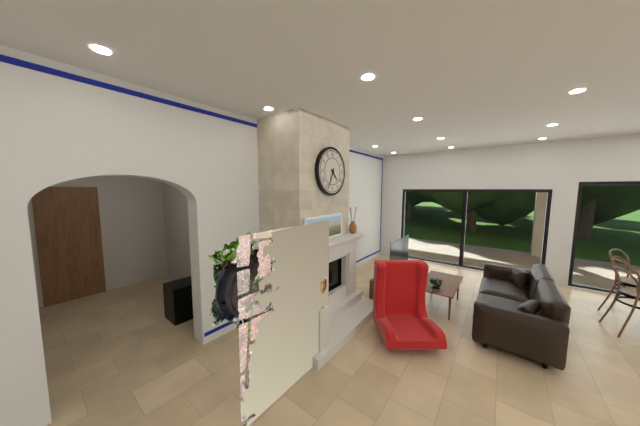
4:34
